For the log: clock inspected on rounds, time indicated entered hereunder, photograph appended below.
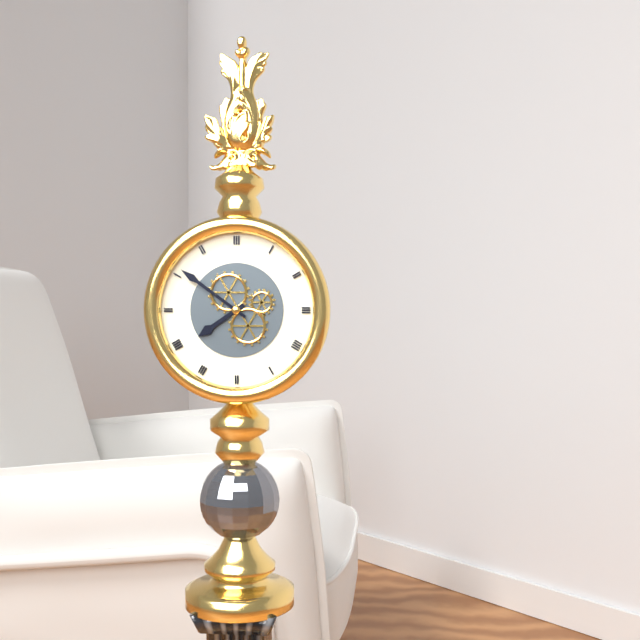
7:51
